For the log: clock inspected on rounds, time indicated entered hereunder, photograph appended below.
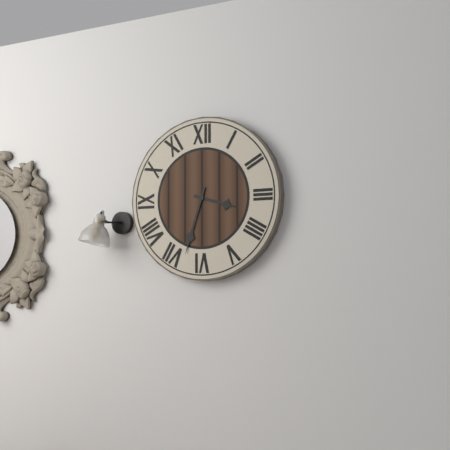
3:33
